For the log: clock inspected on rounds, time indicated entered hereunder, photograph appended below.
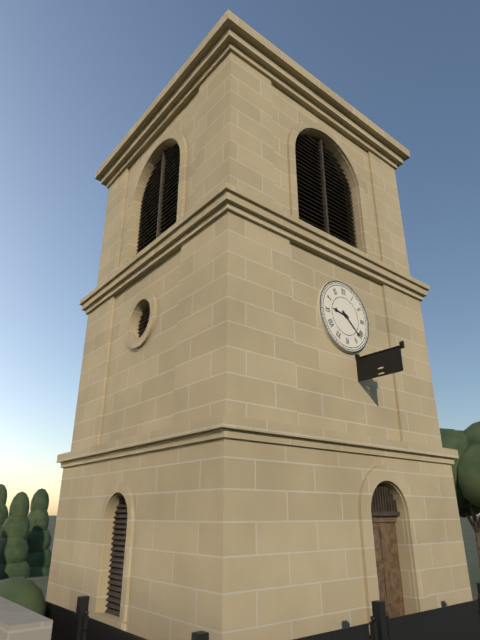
9:22
